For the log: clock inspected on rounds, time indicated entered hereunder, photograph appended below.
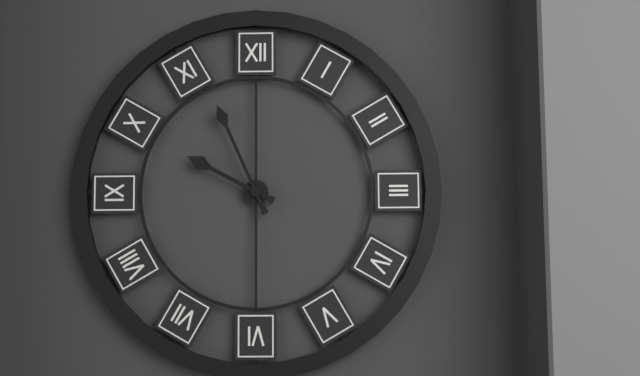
9:56
